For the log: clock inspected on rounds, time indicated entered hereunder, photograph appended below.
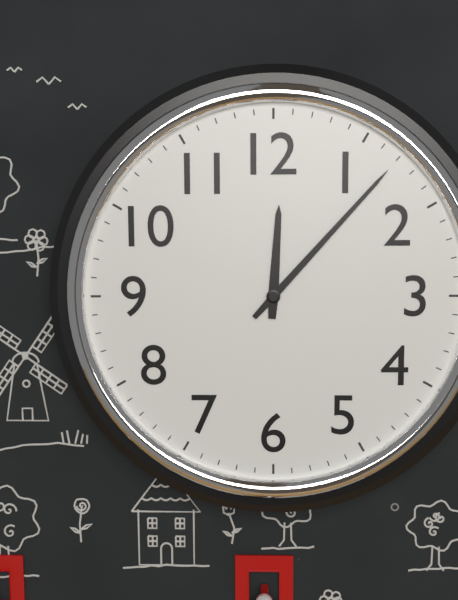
12:07
